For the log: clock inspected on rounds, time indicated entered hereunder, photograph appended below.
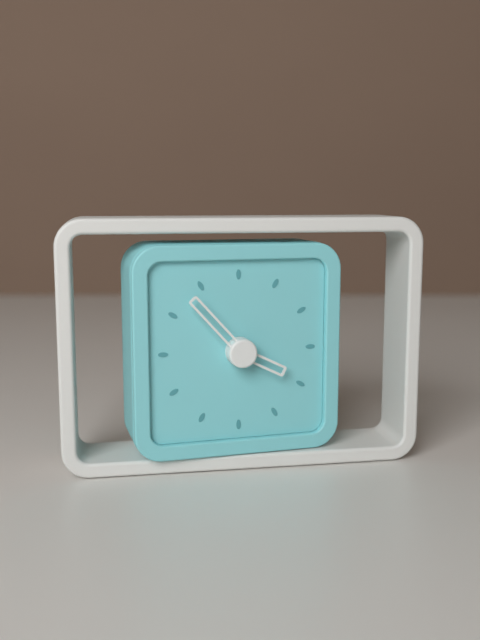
3:53
